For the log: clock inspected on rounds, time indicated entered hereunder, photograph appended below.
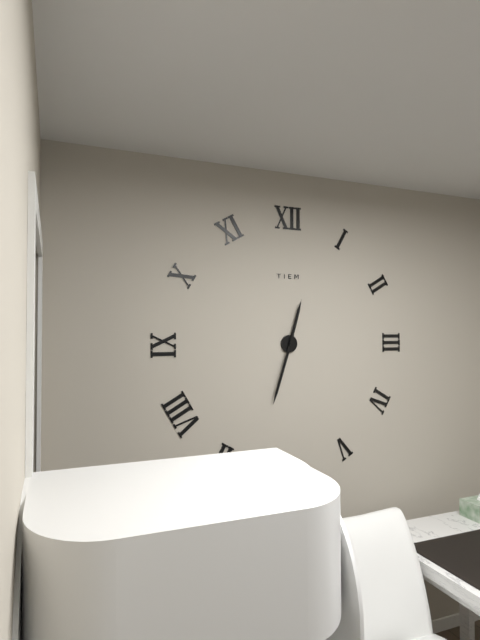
12:33
